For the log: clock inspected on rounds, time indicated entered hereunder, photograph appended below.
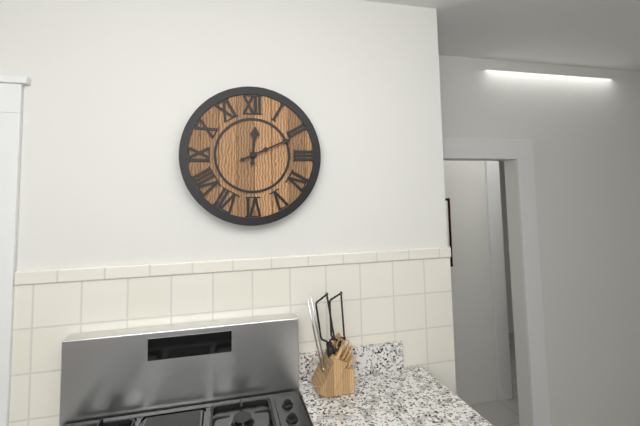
12:11
